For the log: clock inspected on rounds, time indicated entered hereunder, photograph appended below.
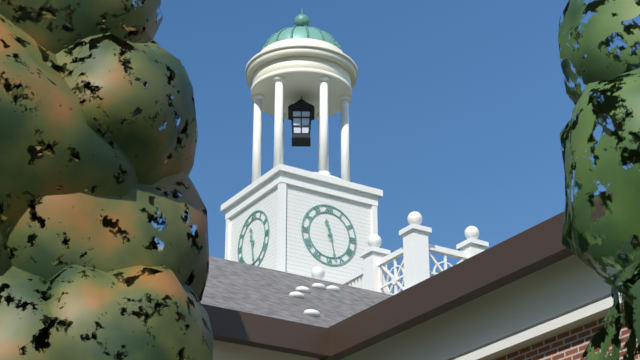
11:28
